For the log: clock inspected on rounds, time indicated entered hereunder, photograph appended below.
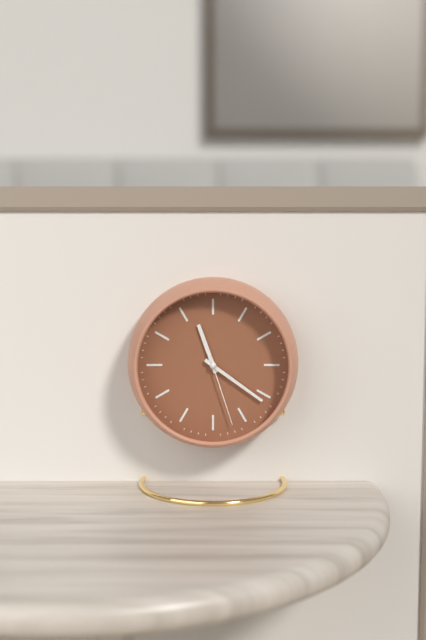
11:21:27
